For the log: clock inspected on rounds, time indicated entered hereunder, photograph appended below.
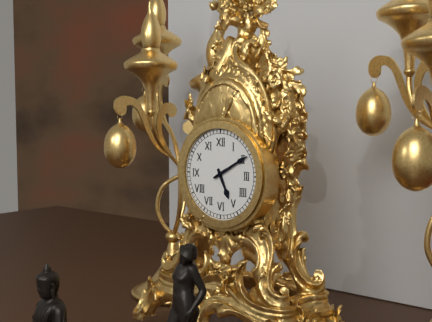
5:10
